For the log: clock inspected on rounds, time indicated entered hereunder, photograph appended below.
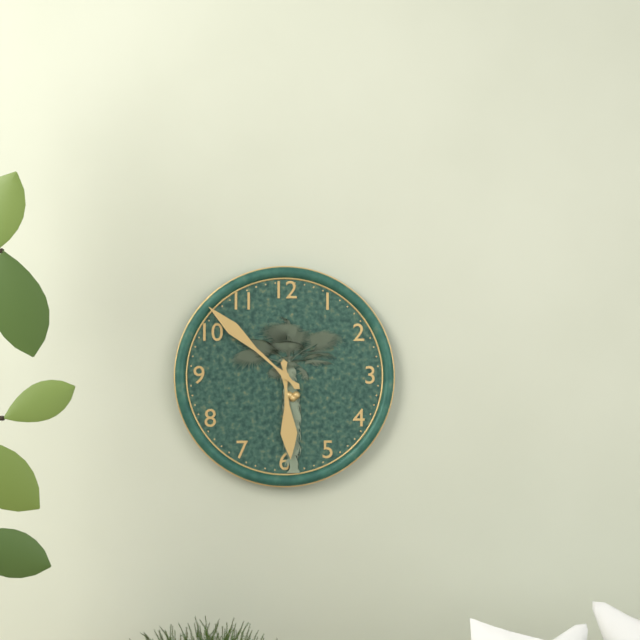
5:52
